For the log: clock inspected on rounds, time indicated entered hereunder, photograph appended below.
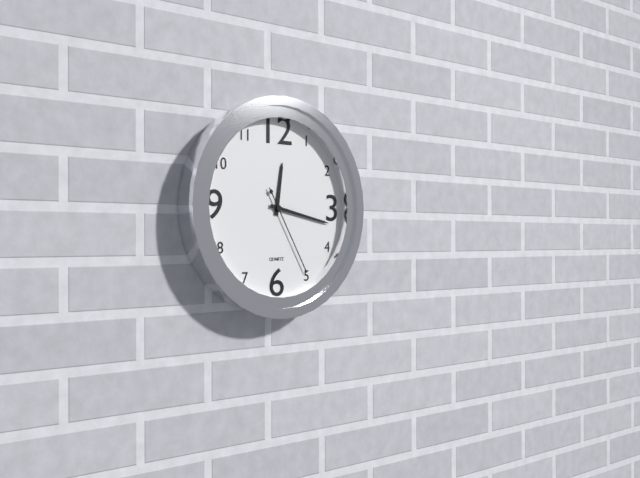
12:17:25
